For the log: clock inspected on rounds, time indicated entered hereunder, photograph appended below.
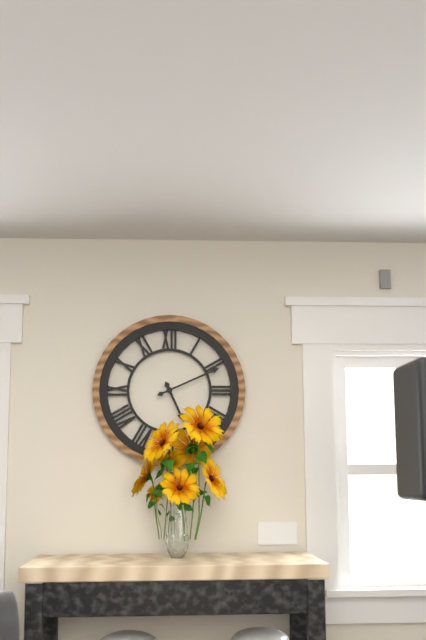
5:11
